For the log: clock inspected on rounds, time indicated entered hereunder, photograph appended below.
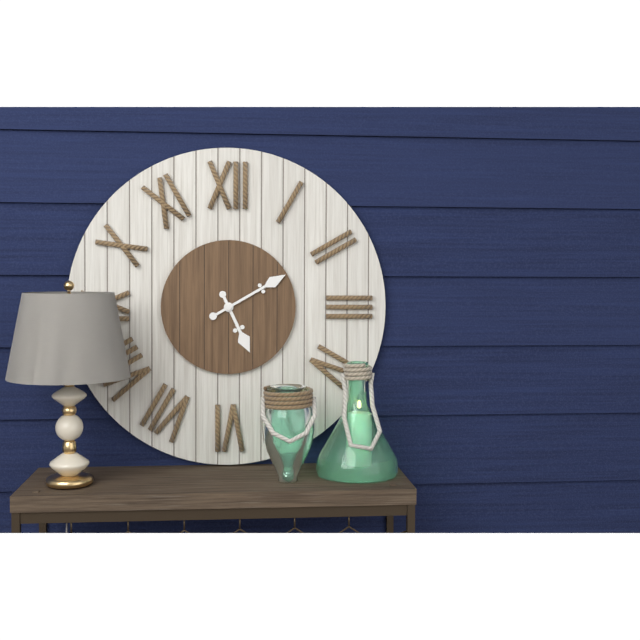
5:10
